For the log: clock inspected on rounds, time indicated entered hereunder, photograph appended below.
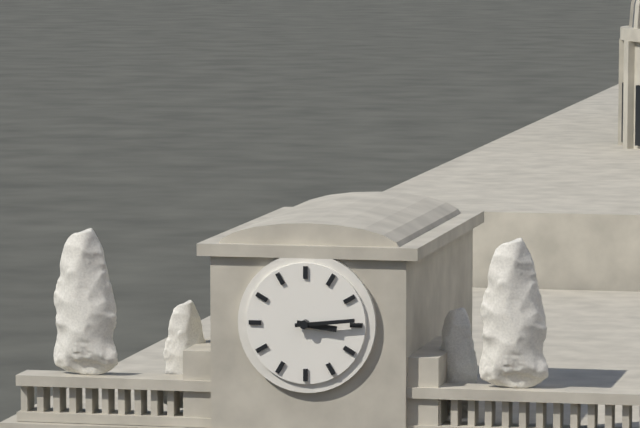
3:14
